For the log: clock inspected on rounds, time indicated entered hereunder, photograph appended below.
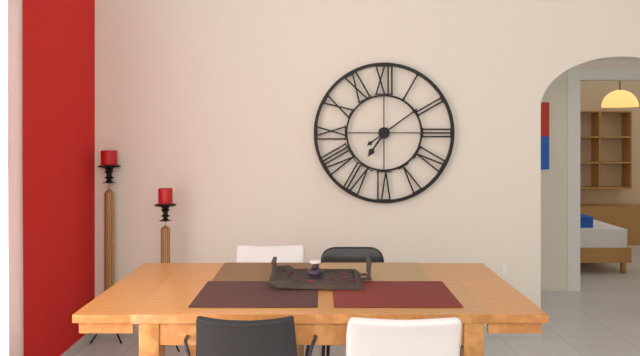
7:09
